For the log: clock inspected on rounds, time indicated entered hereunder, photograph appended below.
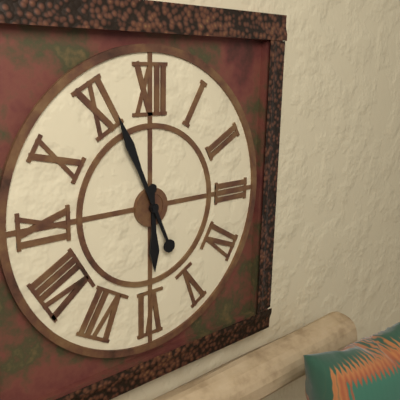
5:56
